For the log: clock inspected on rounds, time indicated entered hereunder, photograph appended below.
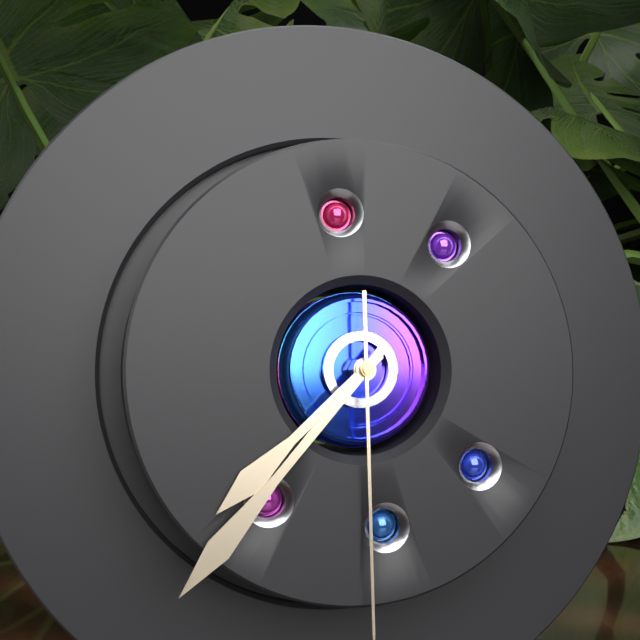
7:37
